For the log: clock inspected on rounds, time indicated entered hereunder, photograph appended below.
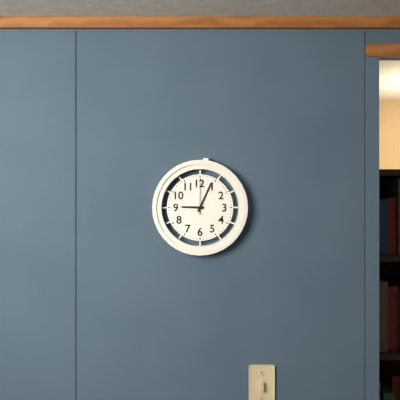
9:04
